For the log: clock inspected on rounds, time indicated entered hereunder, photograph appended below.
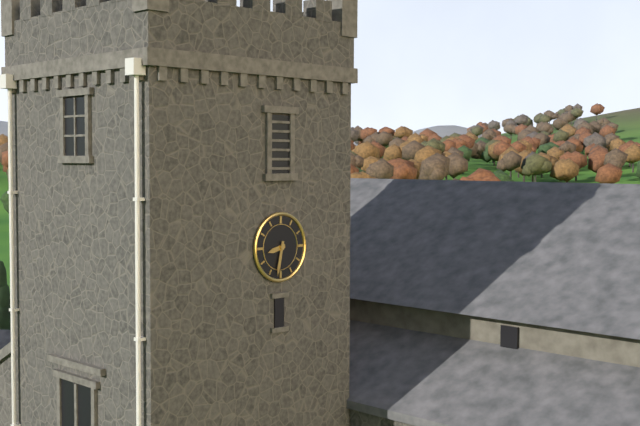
8:32
